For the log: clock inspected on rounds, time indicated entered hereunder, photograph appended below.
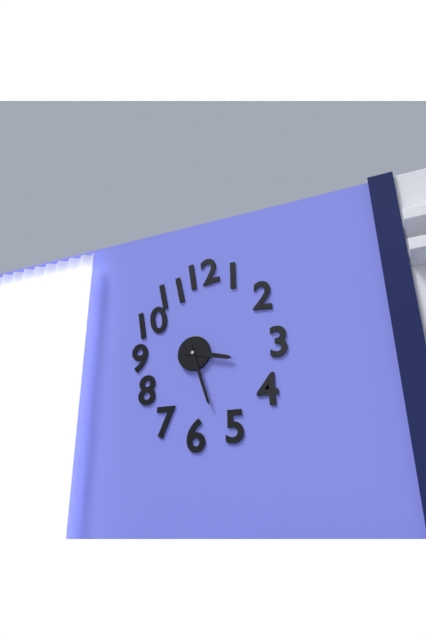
3:27
